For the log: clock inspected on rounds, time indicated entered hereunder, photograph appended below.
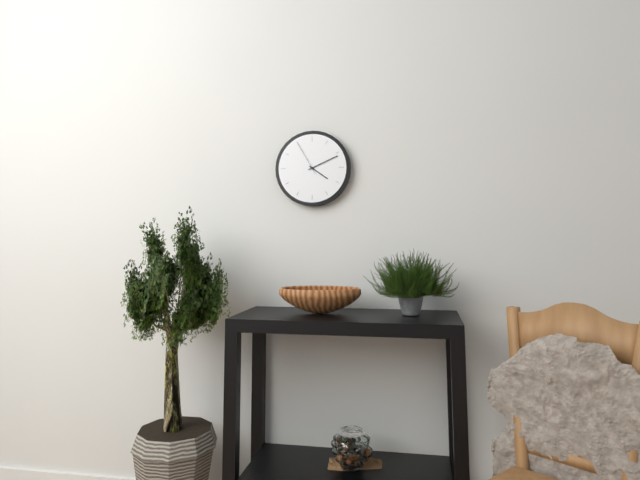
4:11
